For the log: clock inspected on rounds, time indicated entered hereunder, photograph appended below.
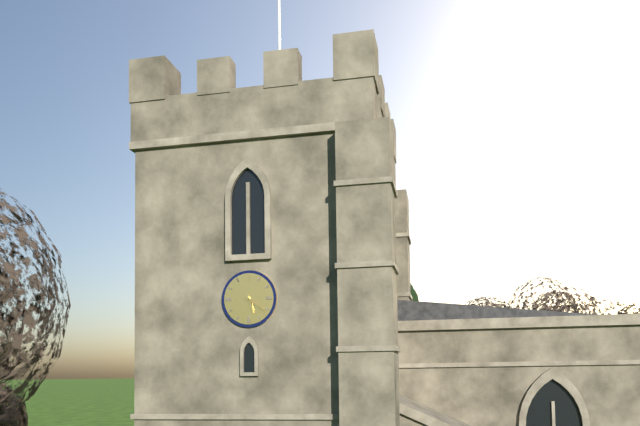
5:21
